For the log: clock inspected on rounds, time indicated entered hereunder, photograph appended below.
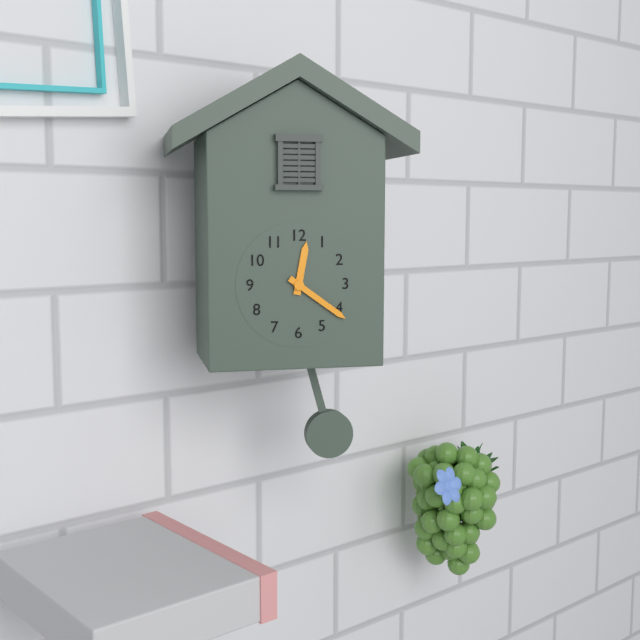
12:21
